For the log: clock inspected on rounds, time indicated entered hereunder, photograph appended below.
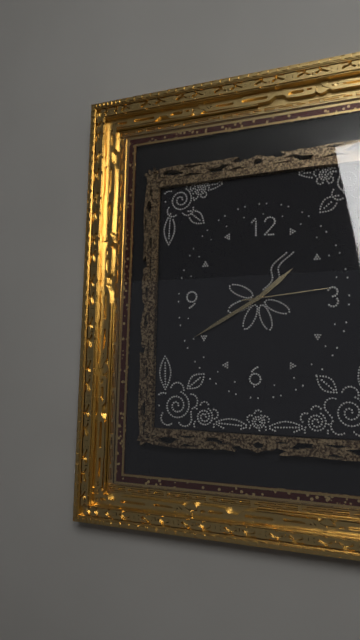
1:40:14
